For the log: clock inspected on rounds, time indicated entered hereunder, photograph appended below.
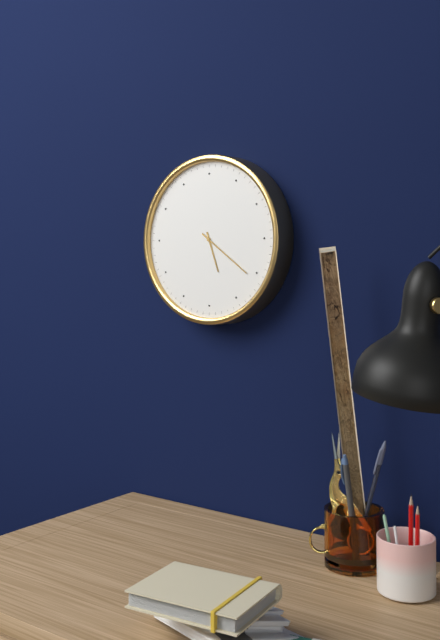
5:21
